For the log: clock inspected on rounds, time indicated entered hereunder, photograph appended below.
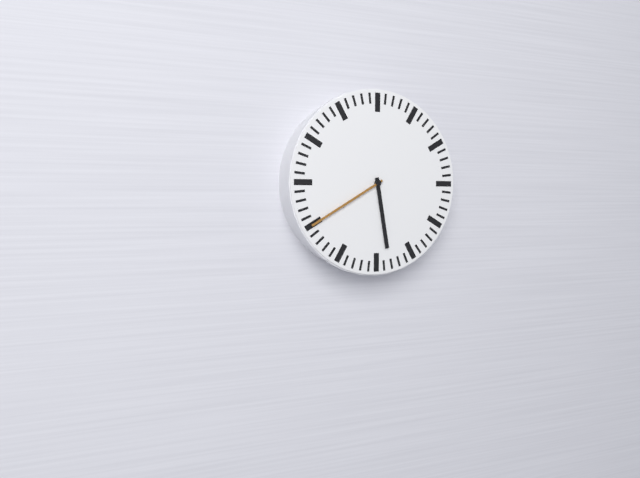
5:40
